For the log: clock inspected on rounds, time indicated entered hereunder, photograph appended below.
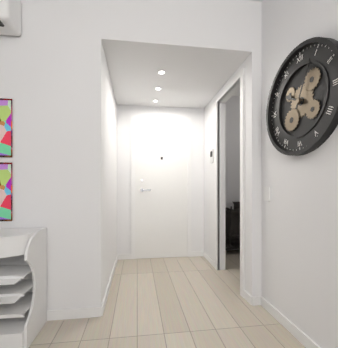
10:04
